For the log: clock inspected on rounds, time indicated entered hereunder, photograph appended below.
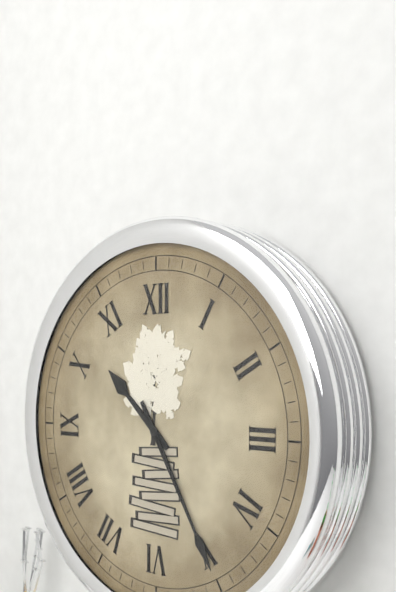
10:25
